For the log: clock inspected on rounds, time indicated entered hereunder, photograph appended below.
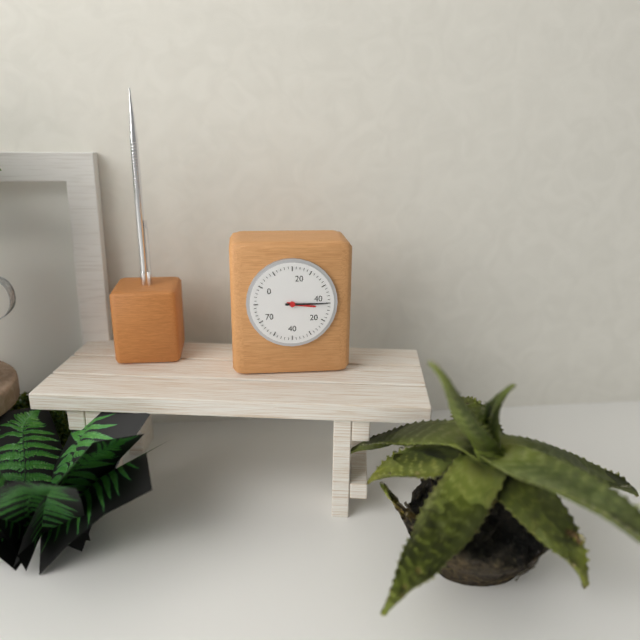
3:15
